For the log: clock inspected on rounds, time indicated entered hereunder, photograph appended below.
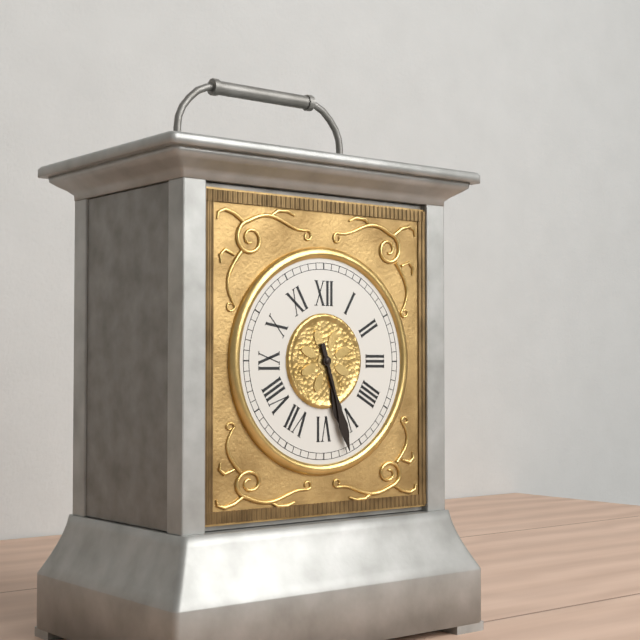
5:27
